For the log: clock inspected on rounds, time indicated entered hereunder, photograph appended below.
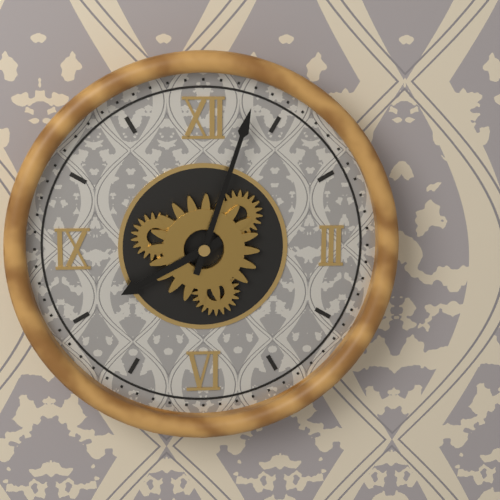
8:03
